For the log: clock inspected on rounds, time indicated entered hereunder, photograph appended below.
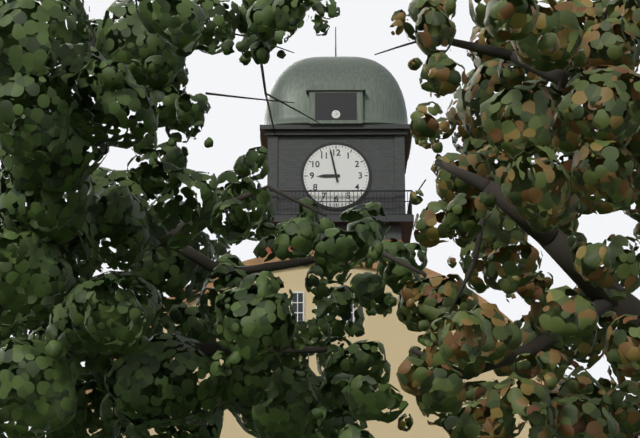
8:58
